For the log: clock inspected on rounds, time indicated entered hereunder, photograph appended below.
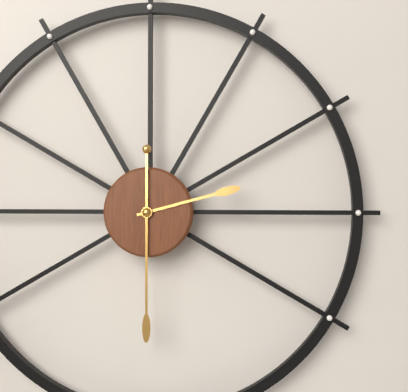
2:30
